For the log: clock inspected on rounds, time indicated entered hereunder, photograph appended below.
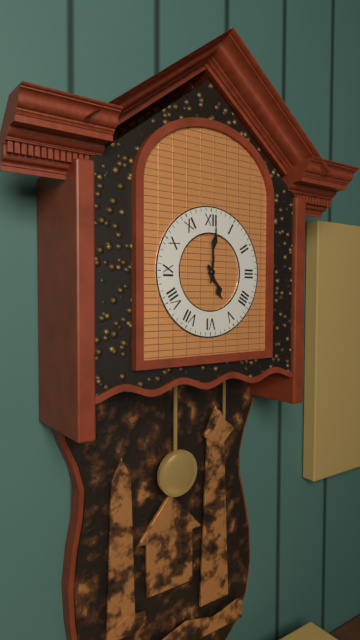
5:01
